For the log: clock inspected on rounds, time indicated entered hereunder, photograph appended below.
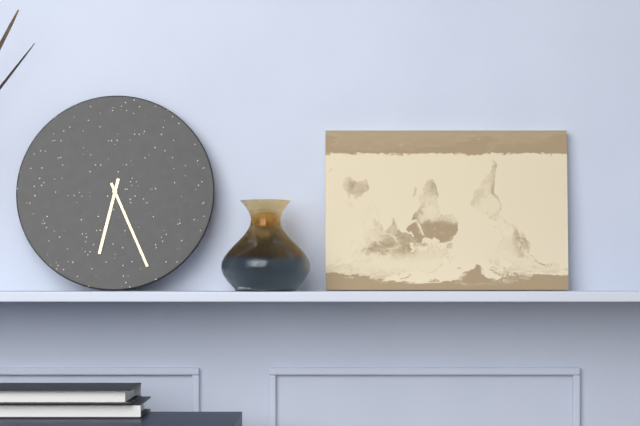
6:26
